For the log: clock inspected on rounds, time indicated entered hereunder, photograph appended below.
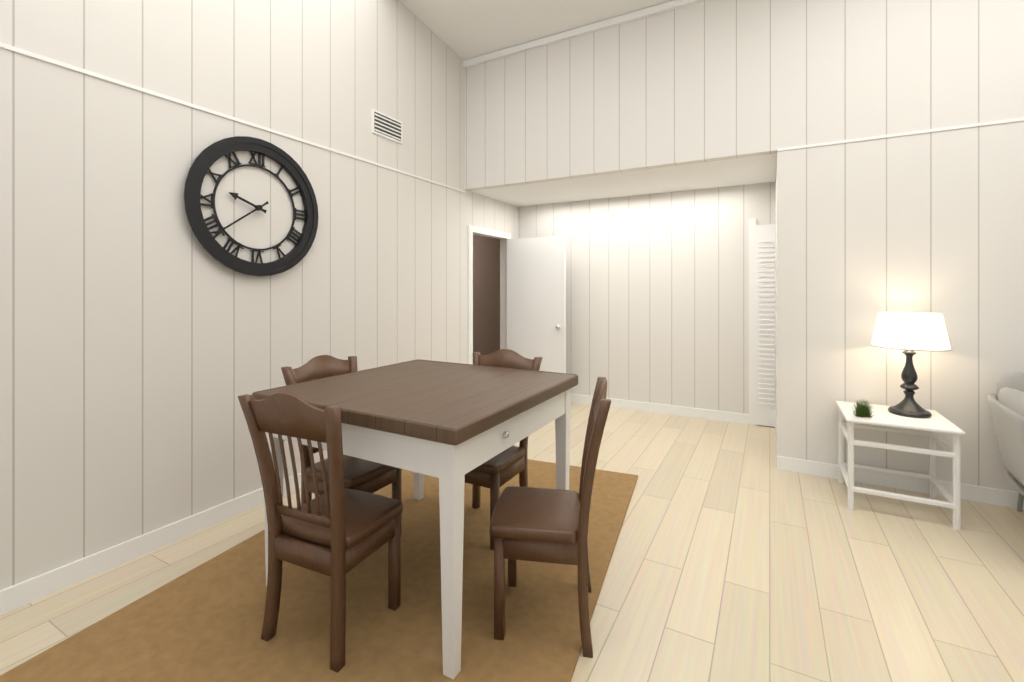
9:39
